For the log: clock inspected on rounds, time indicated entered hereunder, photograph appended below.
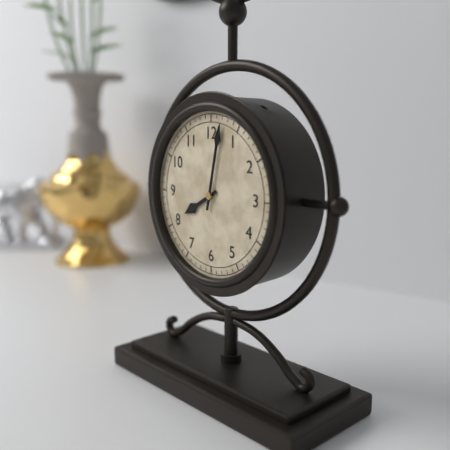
8:02
